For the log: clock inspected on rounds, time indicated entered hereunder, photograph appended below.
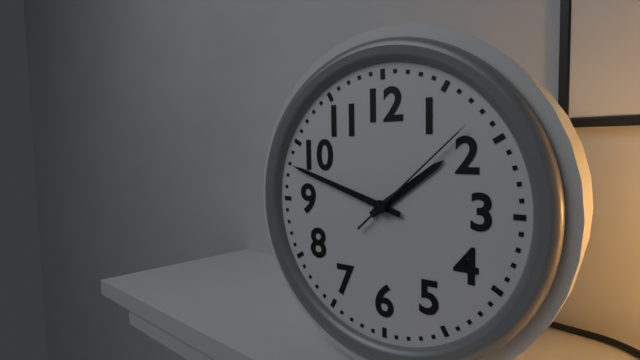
1:48:08
